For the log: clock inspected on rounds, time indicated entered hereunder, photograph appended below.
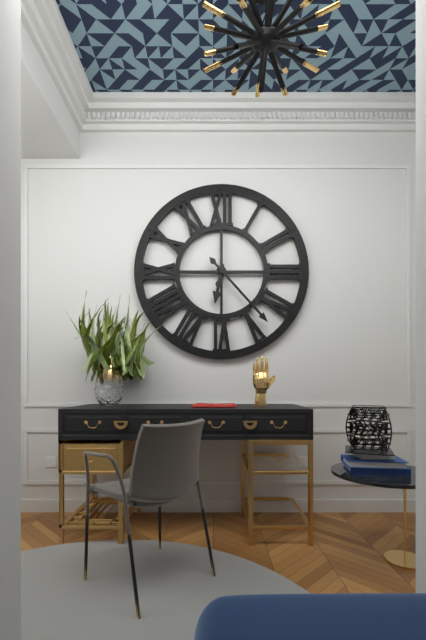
6:23
